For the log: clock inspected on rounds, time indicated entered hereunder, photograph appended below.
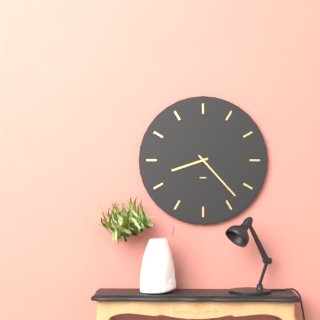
8:23
